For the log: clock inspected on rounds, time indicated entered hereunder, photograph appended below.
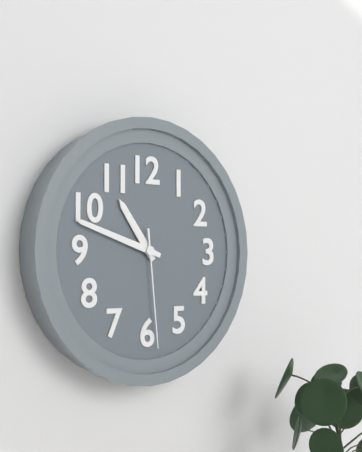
10:48:29
